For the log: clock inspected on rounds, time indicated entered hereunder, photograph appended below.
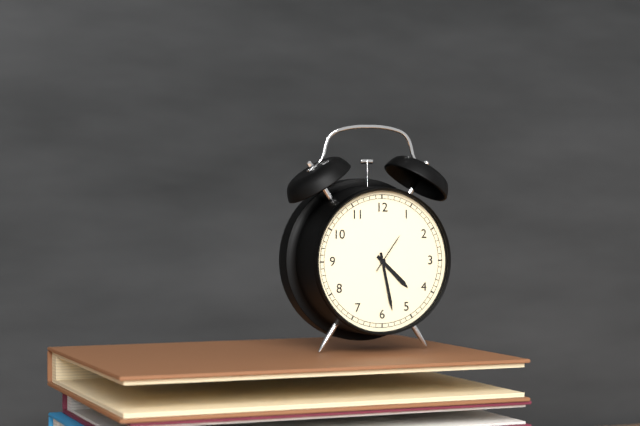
4:28
